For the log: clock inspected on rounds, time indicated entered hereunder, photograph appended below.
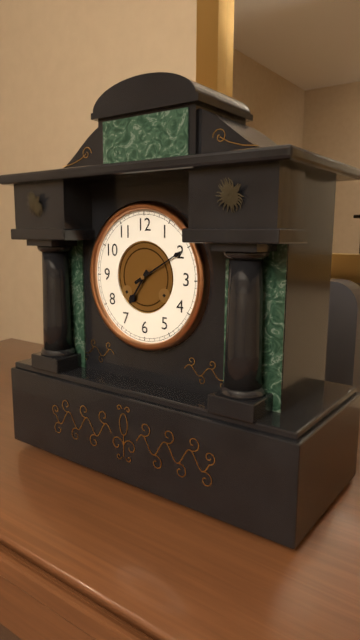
7:10
